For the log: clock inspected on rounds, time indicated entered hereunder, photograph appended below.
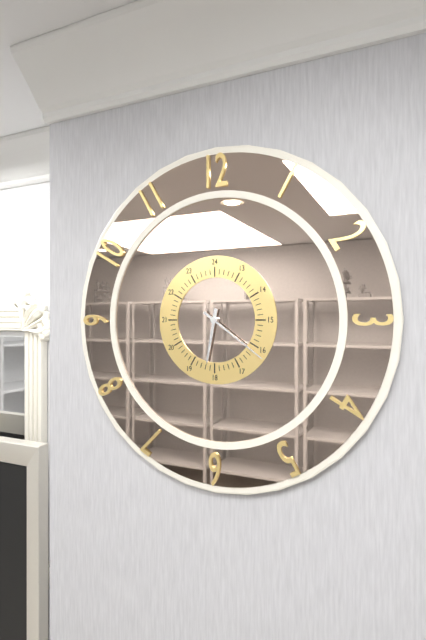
6:21
